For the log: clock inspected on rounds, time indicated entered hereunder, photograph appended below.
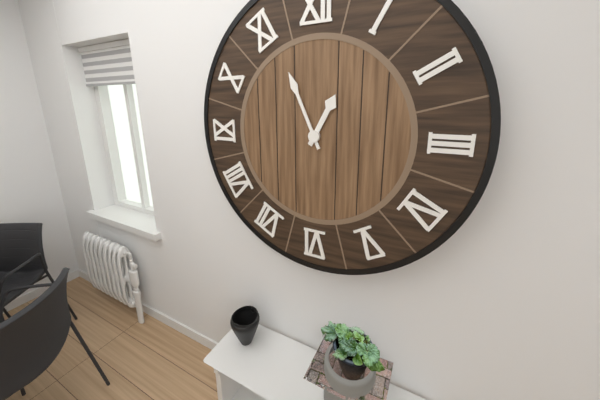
12:56
